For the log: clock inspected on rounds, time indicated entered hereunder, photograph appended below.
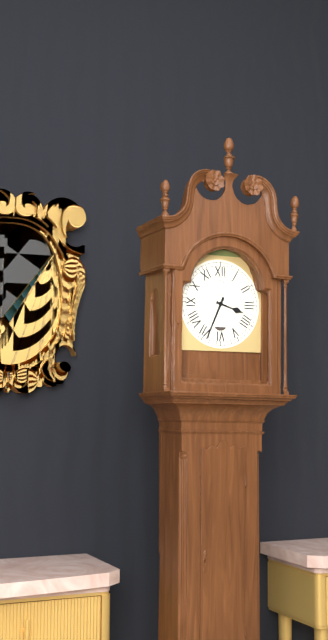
3:34
